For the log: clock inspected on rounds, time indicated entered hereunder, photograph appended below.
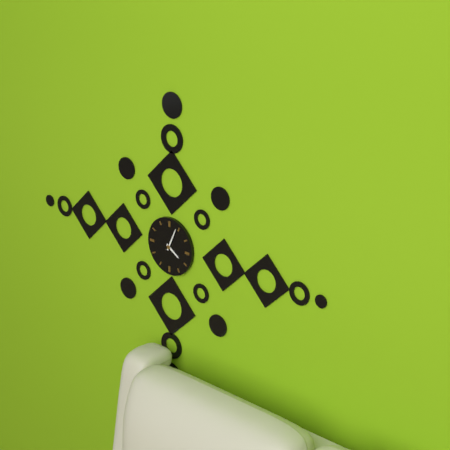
4:04
